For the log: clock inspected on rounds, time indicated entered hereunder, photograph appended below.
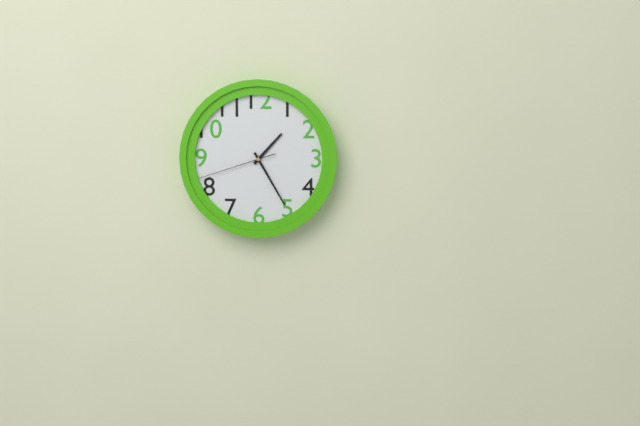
1:25:42
